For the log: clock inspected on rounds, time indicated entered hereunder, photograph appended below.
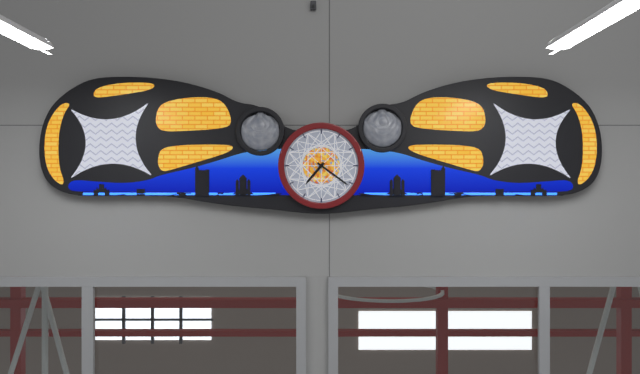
7:21
